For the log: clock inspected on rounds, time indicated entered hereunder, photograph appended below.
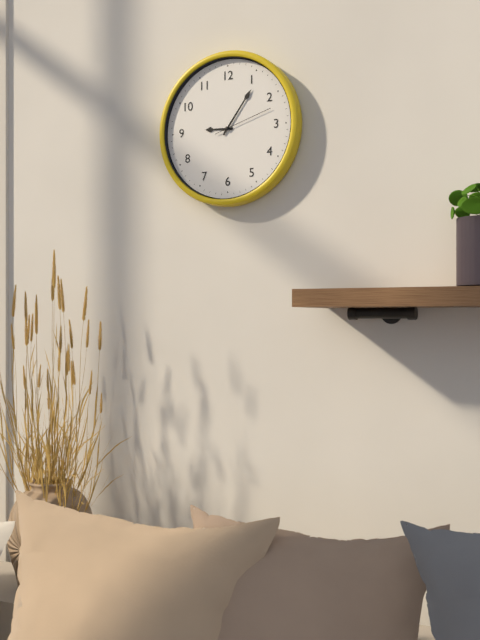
9:06:12
